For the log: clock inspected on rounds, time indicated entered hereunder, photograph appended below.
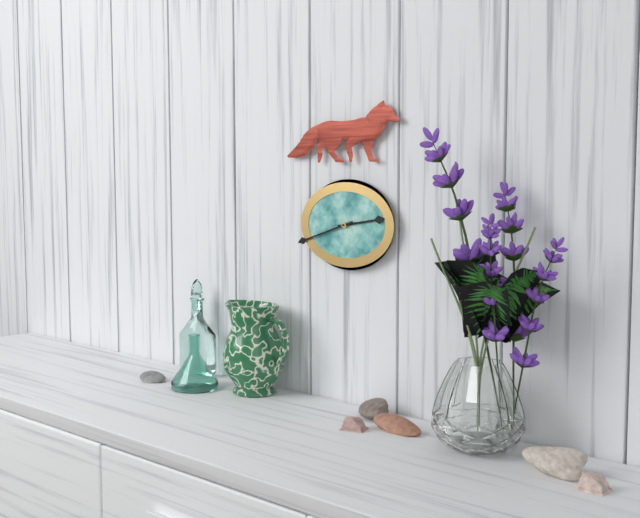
2:42
